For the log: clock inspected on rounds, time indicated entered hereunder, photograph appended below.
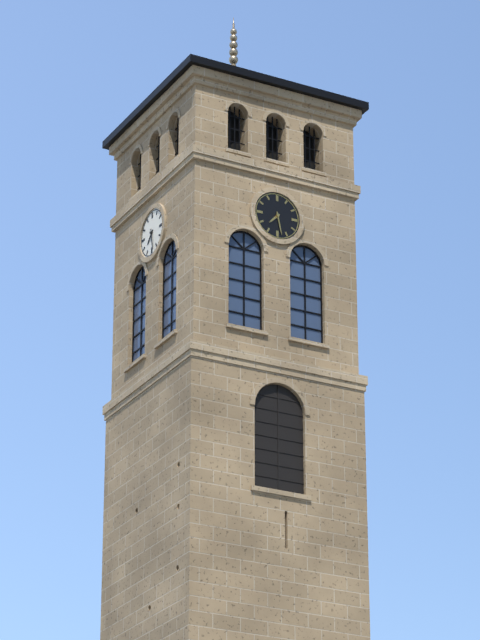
7:28
